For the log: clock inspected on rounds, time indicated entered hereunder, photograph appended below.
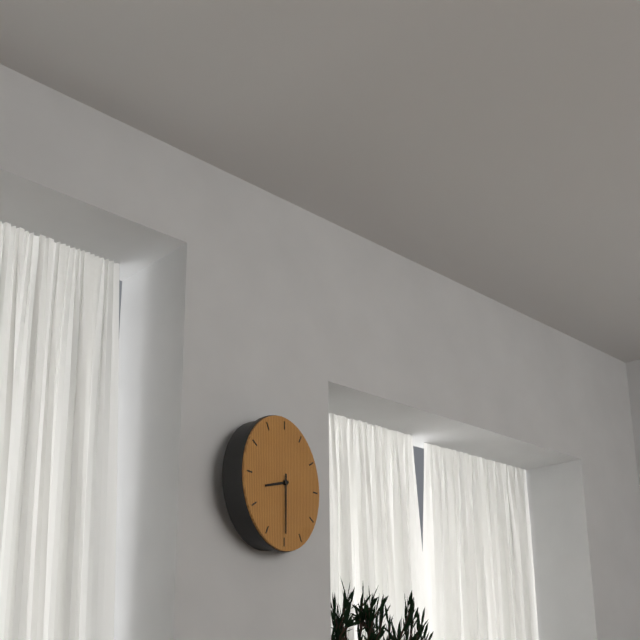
8:30
